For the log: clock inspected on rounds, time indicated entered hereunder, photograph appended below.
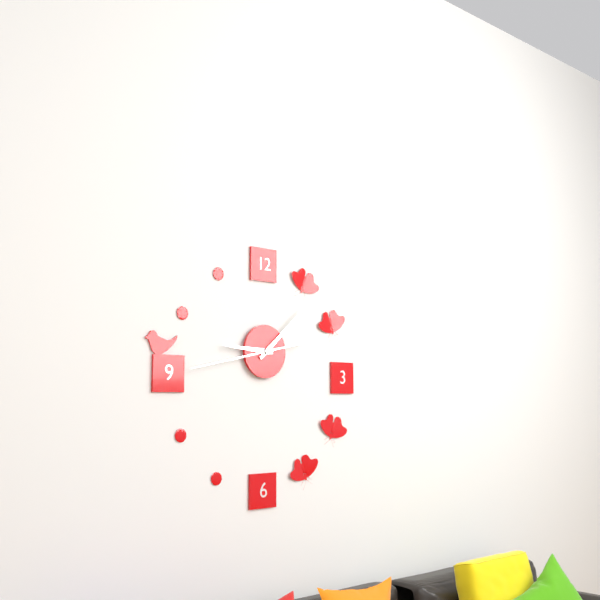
9:08:43
